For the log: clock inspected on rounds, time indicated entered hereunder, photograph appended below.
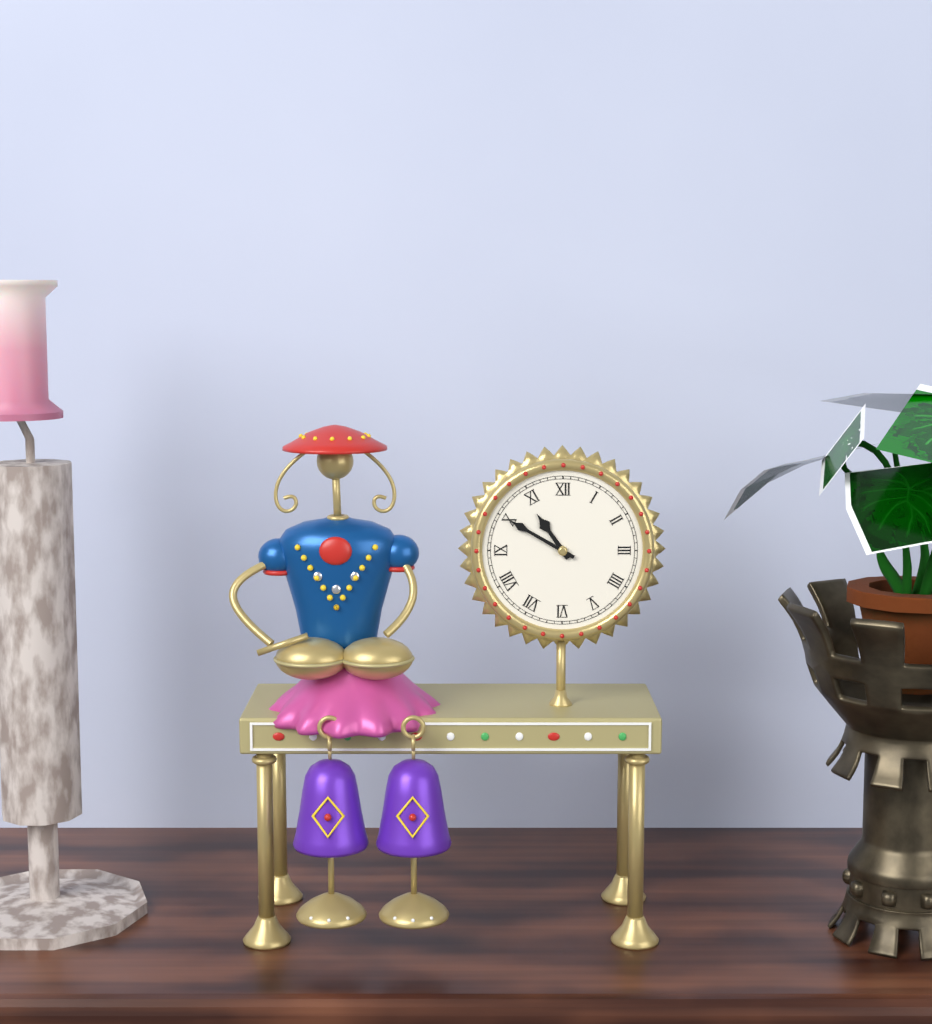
10:50
